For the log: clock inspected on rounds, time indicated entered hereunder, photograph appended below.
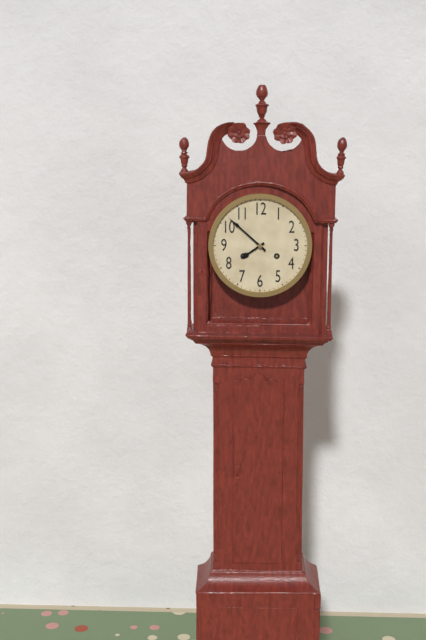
7:52
